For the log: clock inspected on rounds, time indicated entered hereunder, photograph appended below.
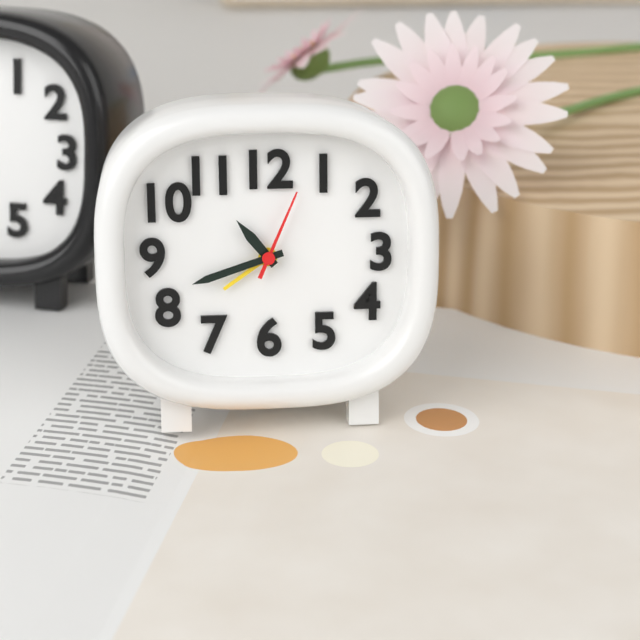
10:42:04
